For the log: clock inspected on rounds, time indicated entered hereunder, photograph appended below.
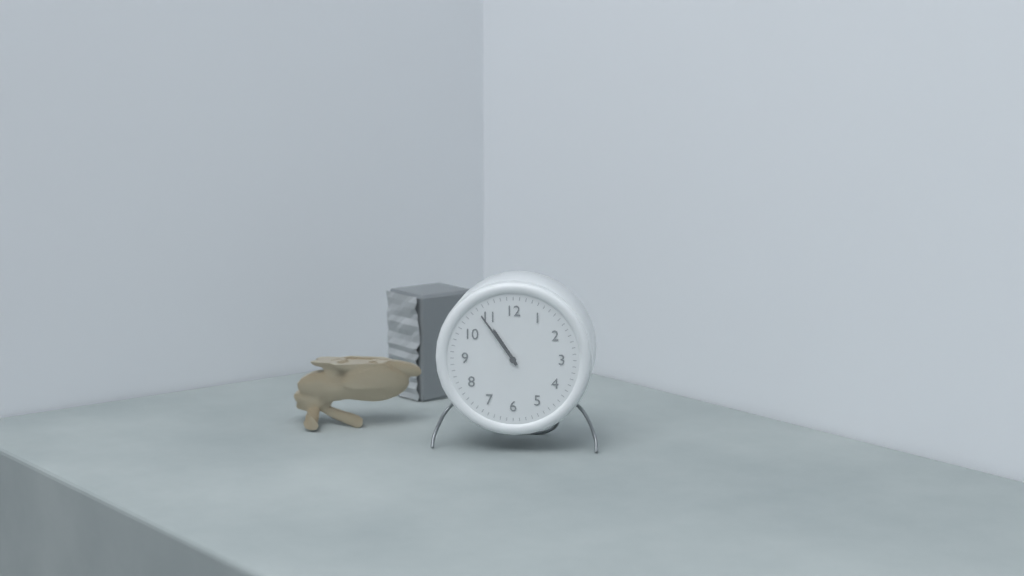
10:54
